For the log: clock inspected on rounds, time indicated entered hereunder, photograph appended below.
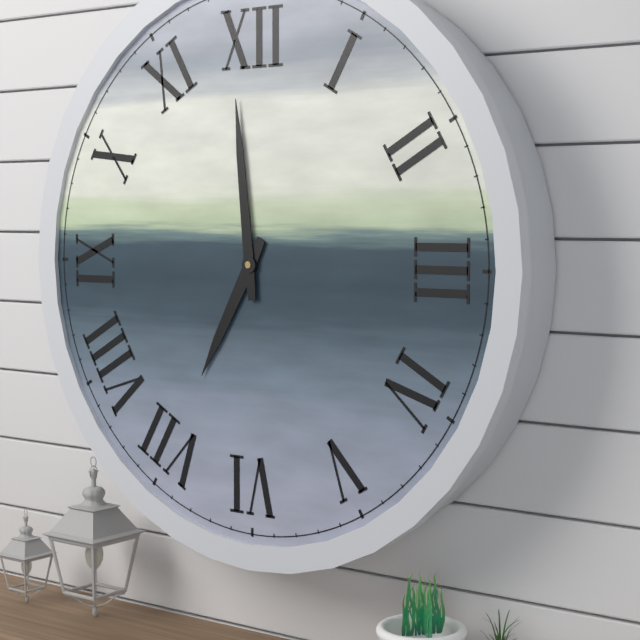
6:59
